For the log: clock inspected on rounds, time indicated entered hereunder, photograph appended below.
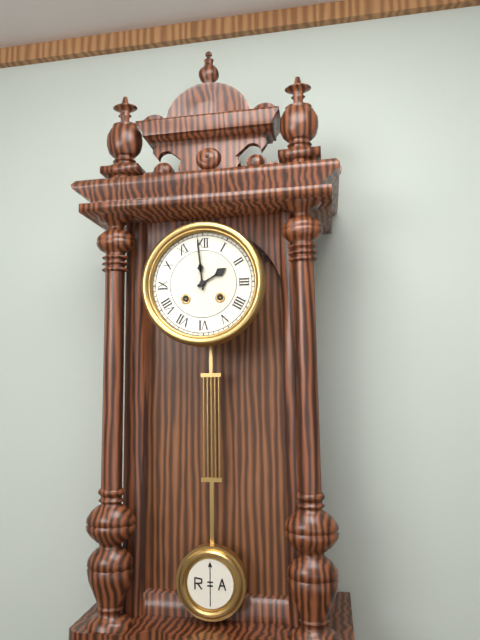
1:59
